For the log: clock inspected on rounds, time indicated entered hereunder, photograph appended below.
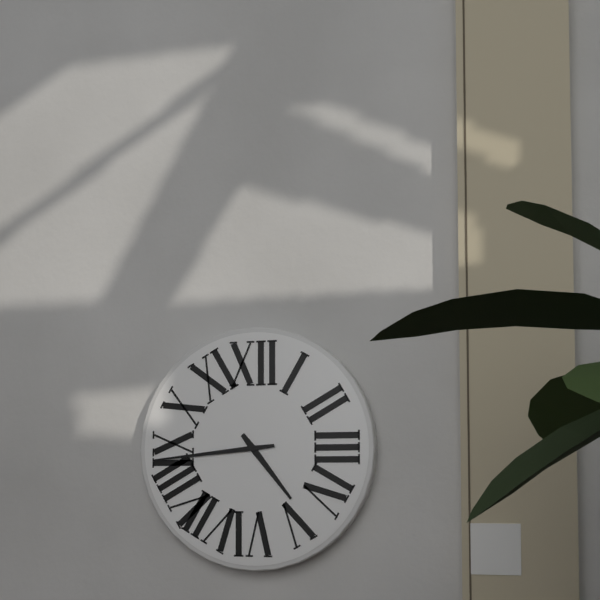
4:44
